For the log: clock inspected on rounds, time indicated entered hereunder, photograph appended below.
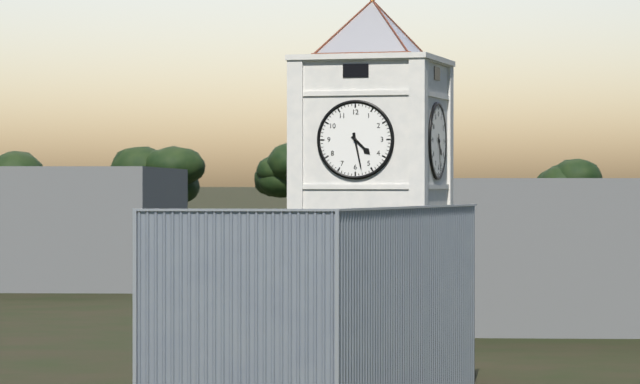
4:28
